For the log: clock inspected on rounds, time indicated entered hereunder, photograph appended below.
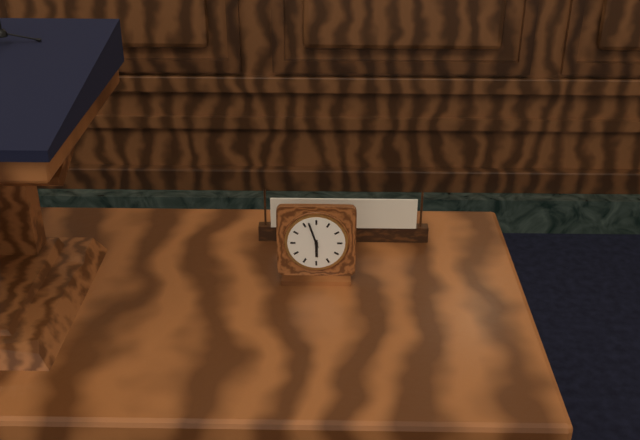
5:57
